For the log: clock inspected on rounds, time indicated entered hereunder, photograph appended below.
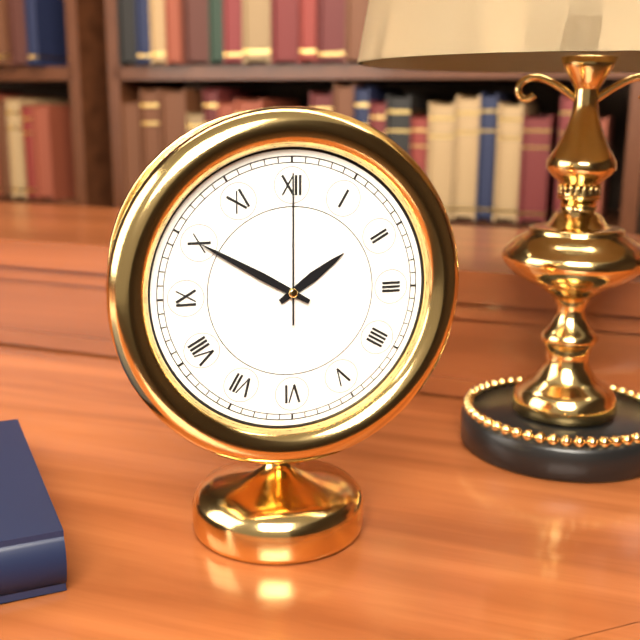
1:50:00
